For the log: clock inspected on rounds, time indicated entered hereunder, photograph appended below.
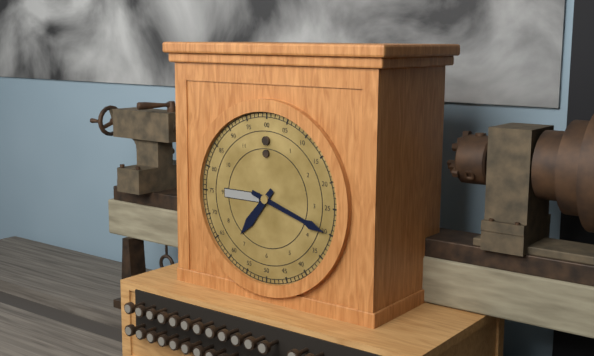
7:18
